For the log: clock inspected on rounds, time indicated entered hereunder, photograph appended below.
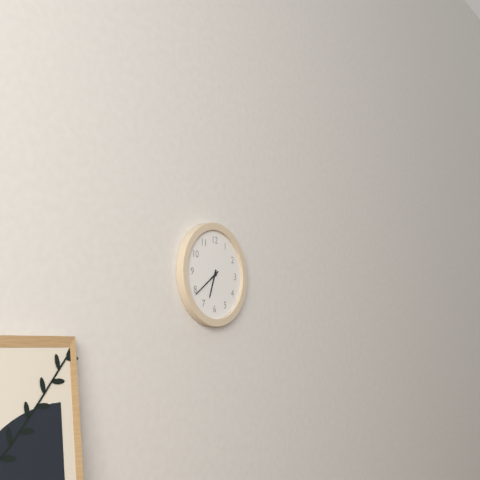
6:39
